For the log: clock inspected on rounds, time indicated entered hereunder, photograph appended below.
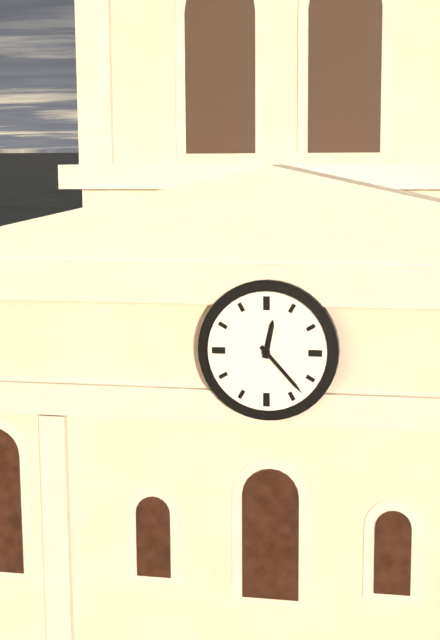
12:23
